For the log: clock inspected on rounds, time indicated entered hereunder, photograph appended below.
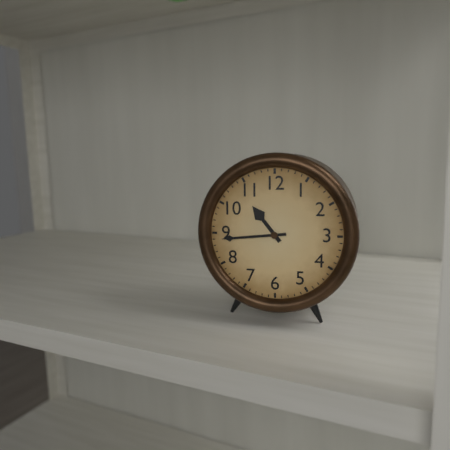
10:44
